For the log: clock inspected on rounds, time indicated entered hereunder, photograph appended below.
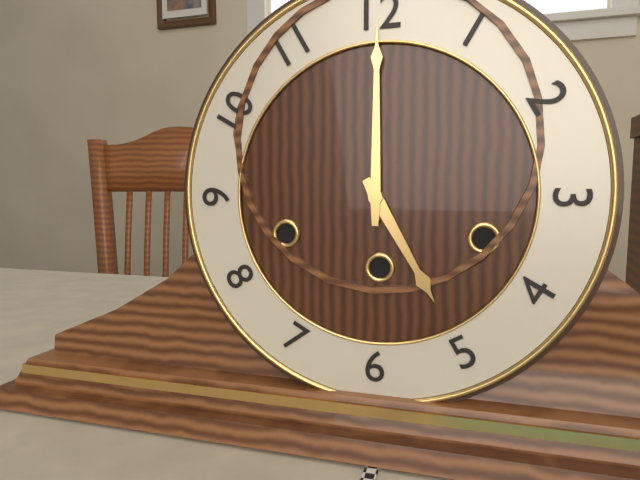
5:00
